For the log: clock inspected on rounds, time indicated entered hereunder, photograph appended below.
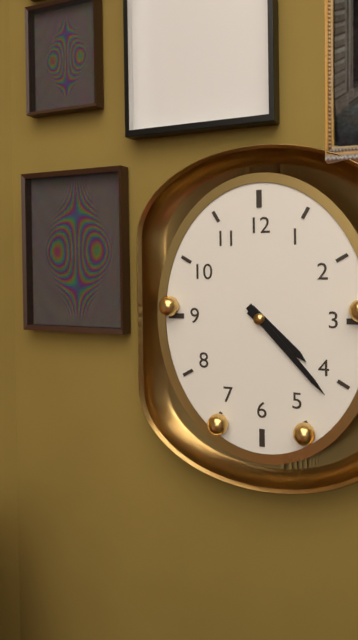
4:23
